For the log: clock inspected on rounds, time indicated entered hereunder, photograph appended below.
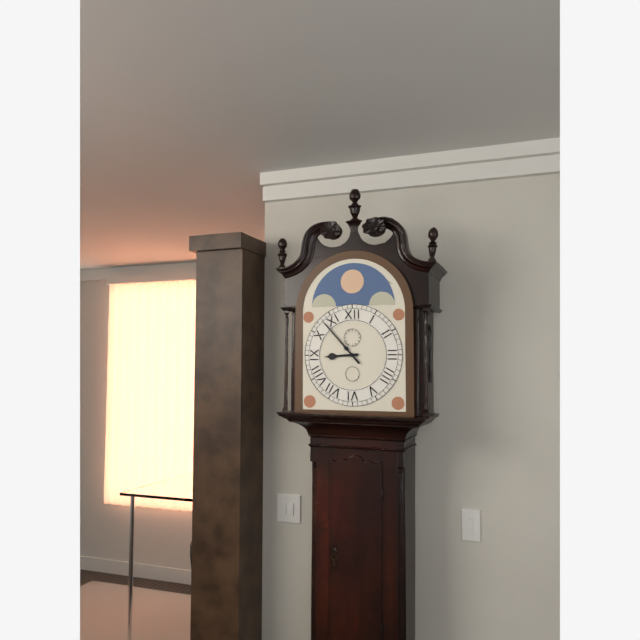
8:53
